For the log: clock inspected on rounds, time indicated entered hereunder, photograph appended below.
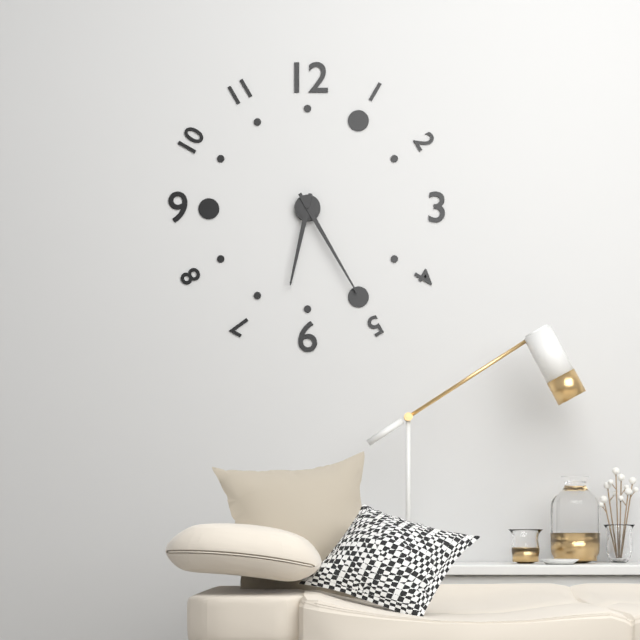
6:25
